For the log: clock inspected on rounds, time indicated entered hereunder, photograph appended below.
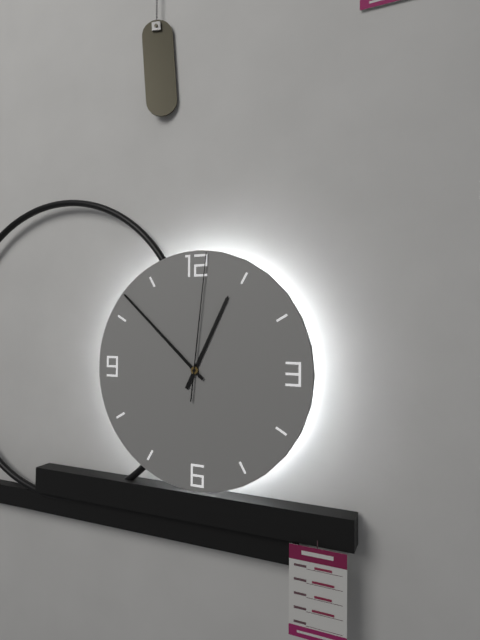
12:52:01
